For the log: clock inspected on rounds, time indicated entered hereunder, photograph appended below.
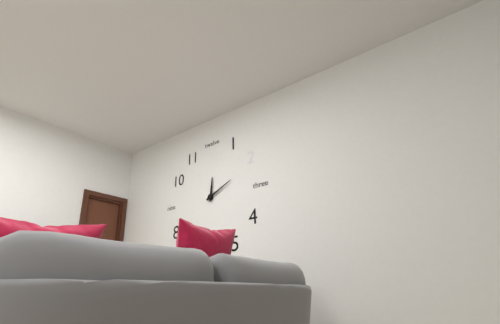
12:11
